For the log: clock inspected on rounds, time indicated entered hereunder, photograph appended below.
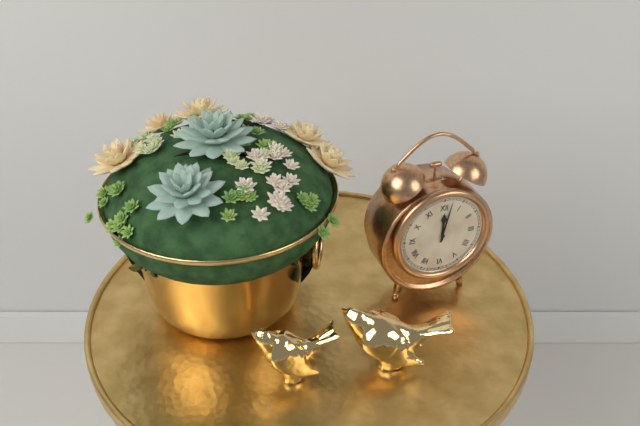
12:02
